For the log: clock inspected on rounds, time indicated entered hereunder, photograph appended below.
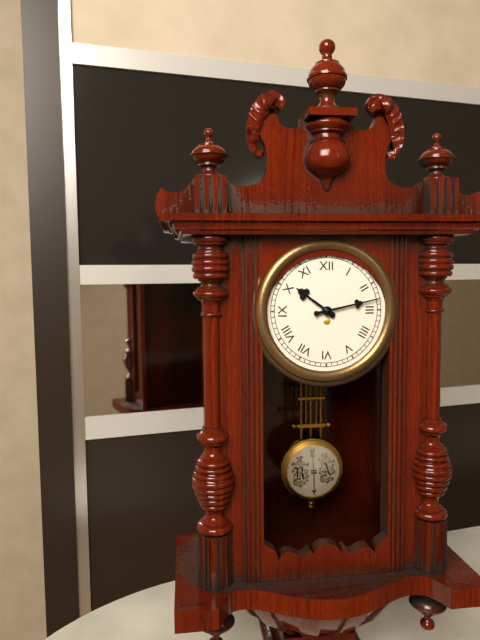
10:13
